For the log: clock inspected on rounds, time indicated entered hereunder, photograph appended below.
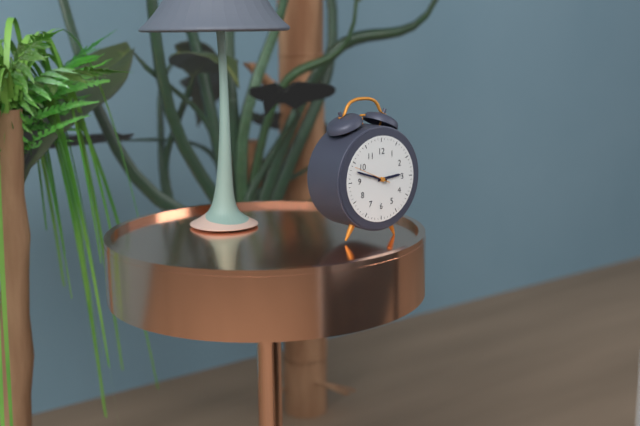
2:48
